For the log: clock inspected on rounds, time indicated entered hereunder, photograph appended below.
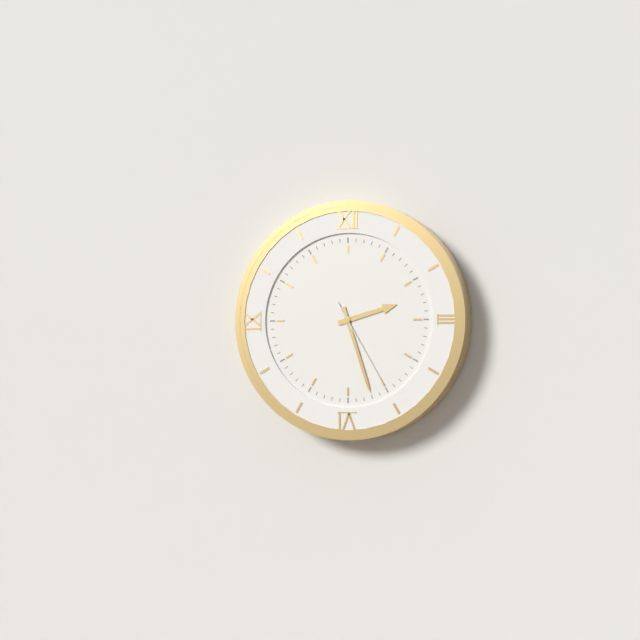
2:27:25
